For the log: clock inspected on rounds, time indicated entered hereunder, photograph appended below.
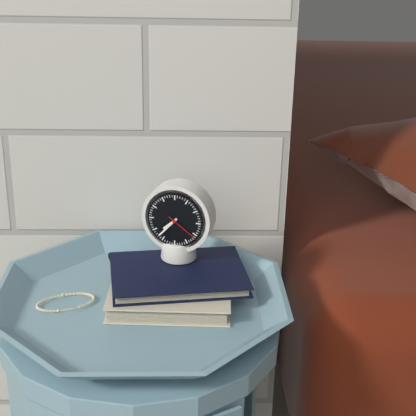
7:37
